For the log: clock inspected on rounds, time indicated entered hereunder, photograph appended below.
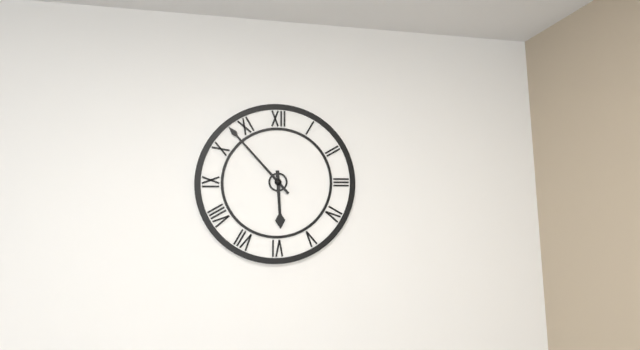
5:53
